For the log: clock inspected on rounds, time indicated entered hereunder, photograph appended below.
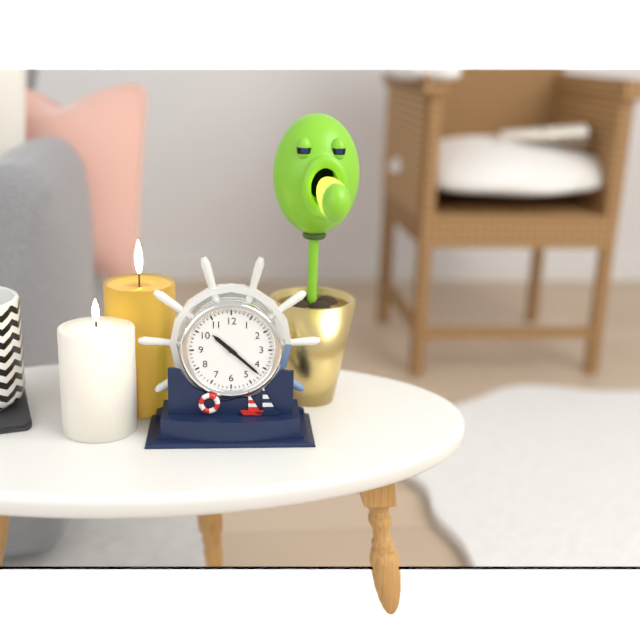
10:22
